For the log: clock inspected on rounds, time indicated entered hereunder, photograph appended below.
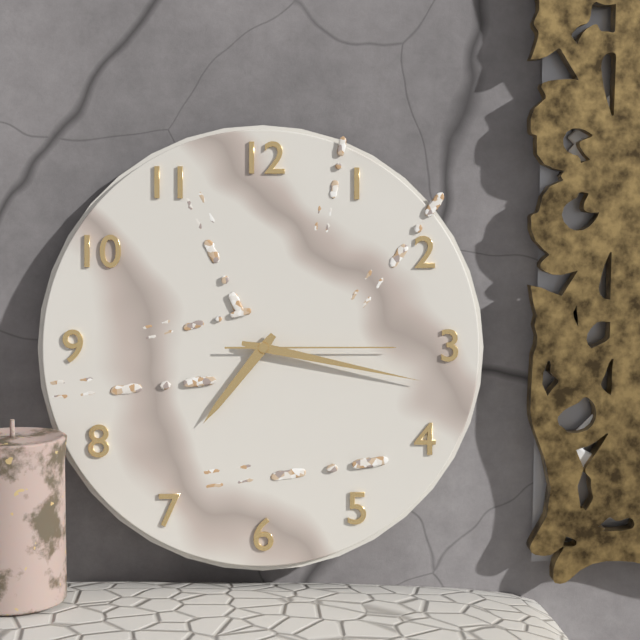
7:17:15
